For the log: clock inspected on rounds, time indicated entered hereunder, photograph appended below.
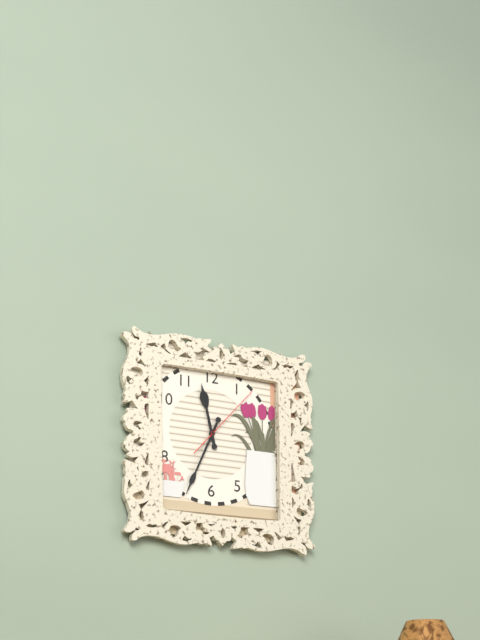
11:34:07
